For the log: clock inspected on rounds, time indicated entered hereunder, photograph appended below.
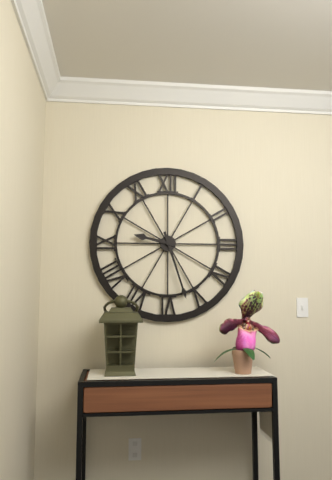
9:27
